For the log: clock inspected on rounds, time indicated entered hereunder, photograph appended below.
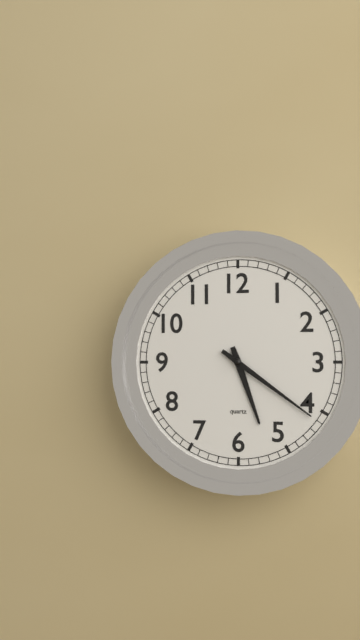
5:21
